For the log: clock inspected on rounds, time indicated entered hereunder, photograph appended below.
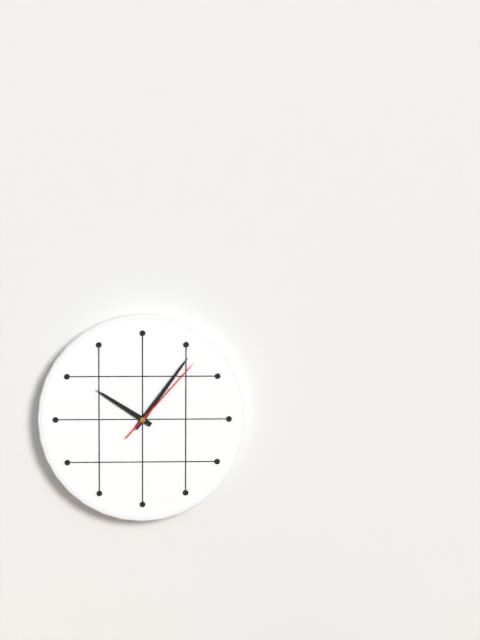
10:06:07
